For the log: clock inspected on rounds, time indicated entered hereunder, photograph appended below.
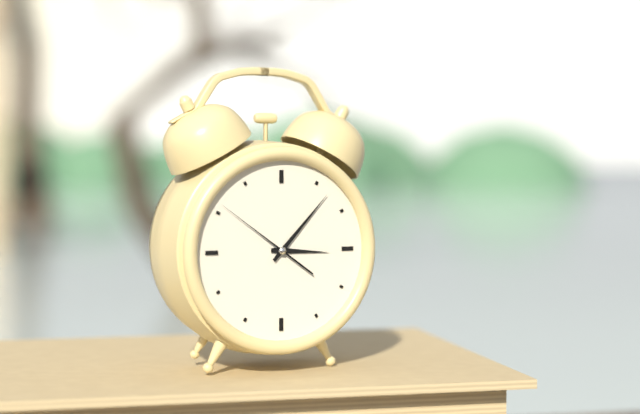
3:07:51
